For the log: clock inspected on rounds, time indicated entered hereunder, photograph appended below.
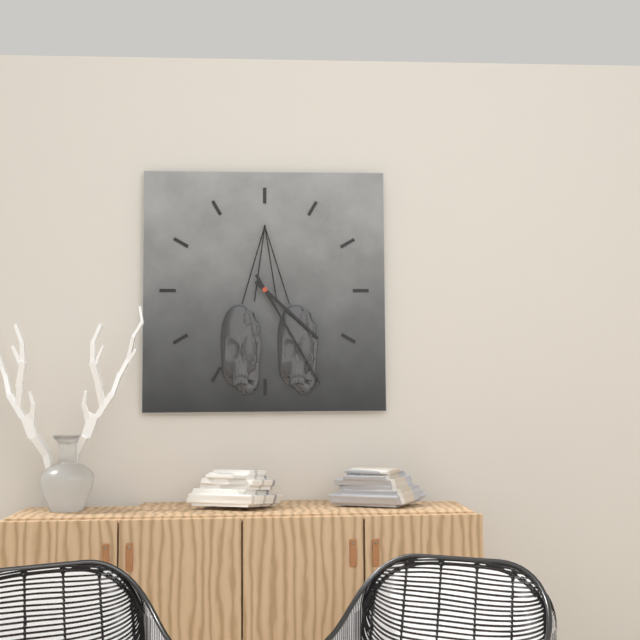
4:25
